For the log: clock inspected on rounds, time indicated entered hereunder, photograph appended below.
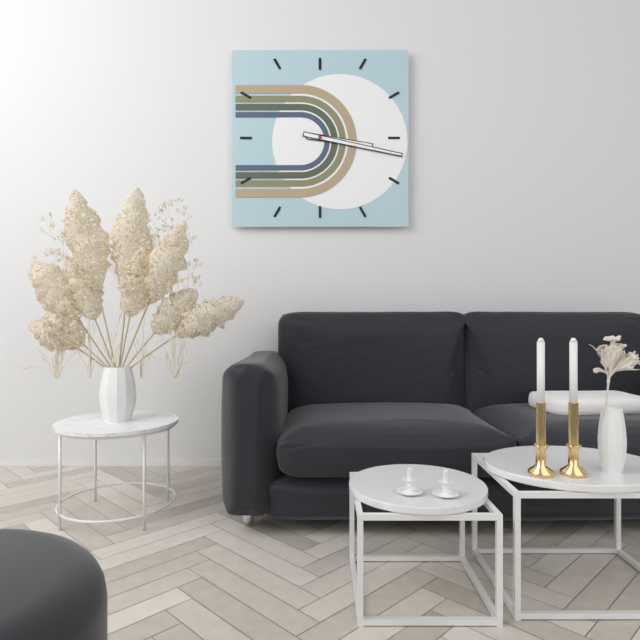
3:17
